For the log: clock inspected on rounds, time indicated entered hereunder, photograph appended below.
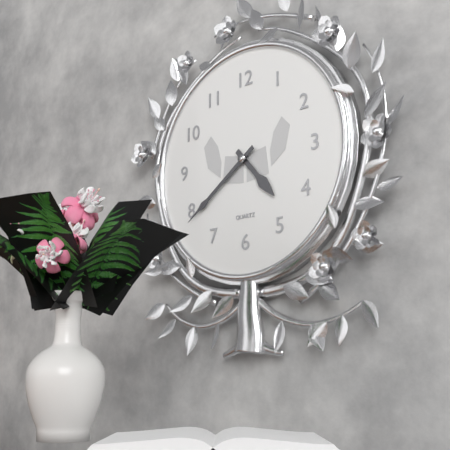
4:39
